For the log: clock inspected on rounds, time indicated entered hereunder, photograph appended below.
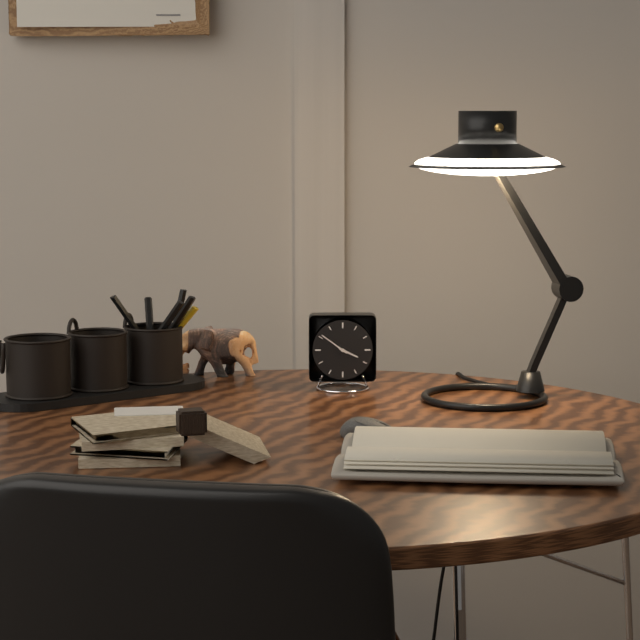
3:51
